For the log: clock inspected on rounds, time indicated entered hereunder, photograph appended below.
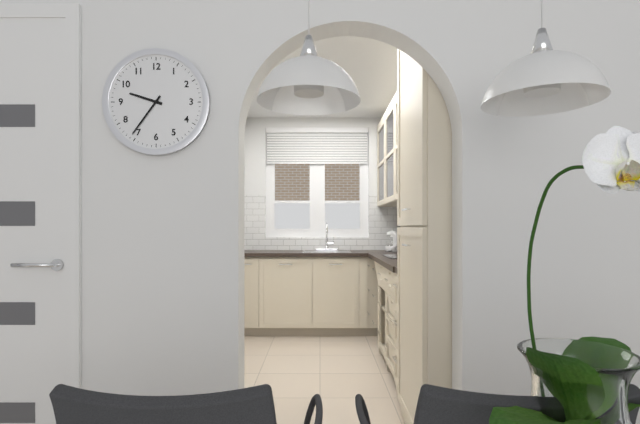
9:36
